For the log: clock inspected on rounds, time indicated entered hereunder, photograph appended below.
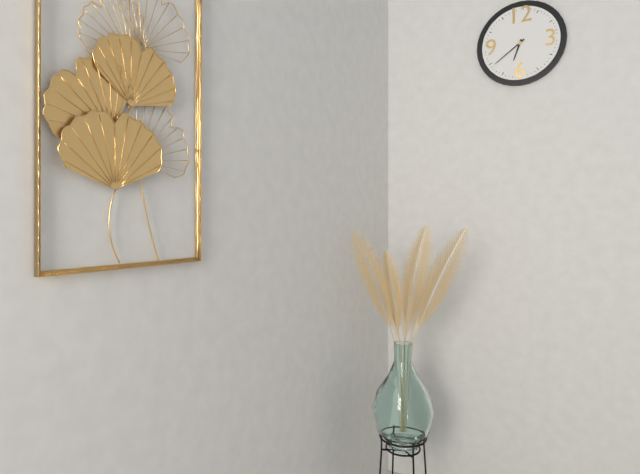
6:39
